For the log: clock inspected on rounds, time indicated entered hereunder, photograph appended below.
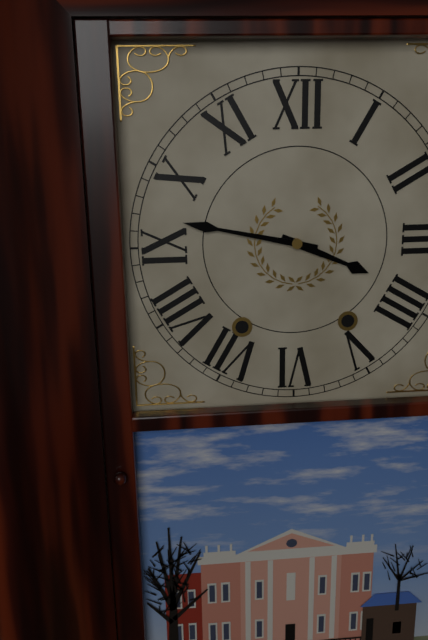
3:47
